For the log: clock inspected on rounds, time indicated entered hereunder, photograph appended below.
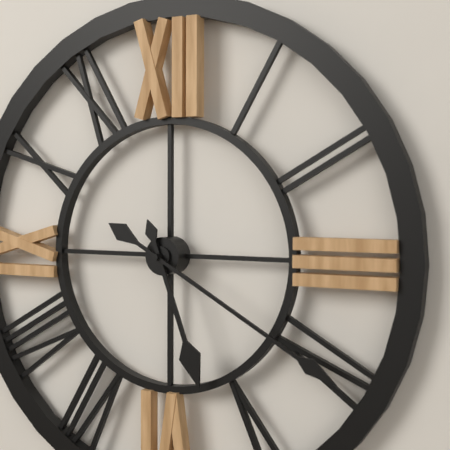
5:20
